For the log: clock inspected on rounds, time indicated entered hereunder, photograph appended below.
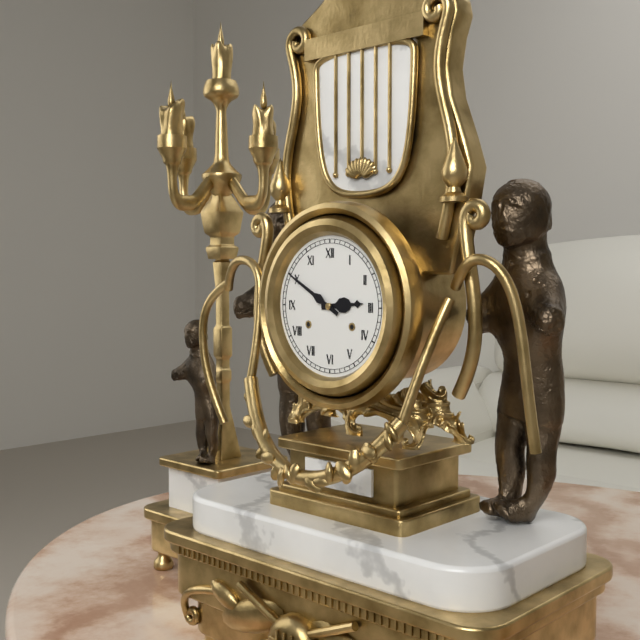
2:50
